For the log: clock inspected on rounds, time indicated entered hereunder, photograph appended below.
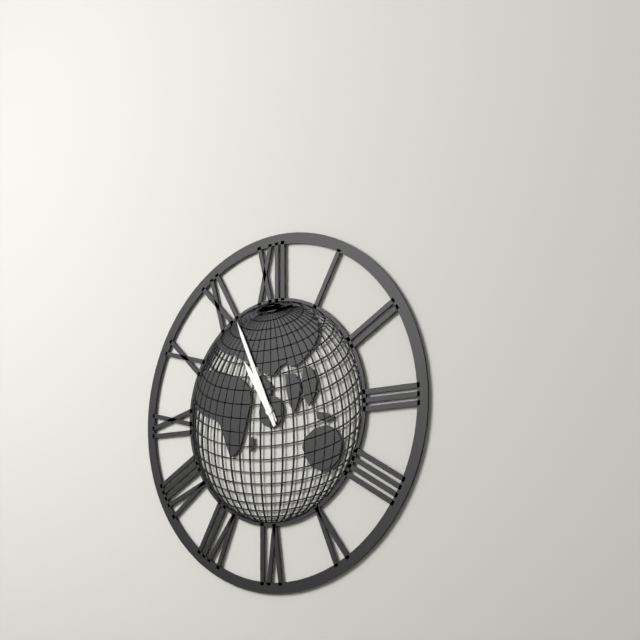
10:56
